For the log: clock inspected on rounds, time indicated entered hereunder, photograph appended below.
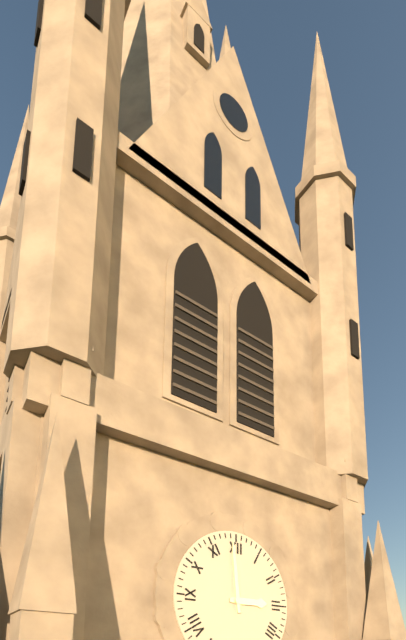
2:59
